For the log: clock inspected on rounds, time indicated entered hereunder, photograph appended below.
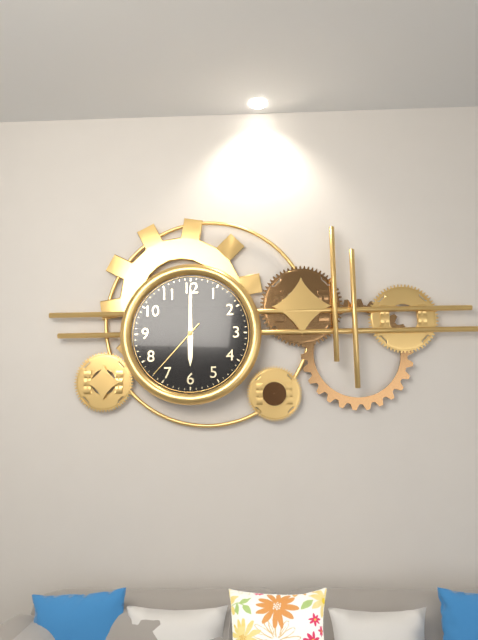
6:00:37
